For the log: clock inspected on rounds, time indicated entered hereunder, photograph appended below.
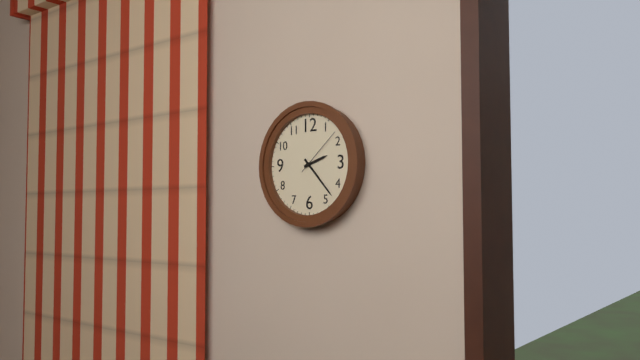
2:23:08
